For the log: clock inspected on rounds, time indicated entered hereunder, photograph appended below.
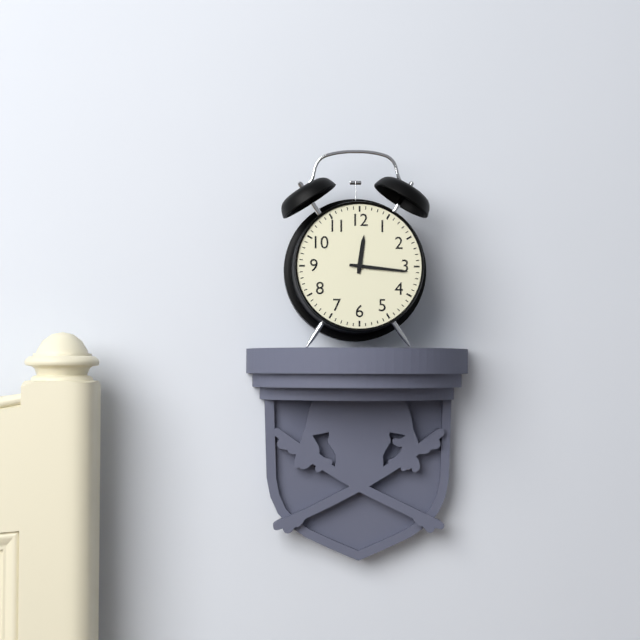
12:16
